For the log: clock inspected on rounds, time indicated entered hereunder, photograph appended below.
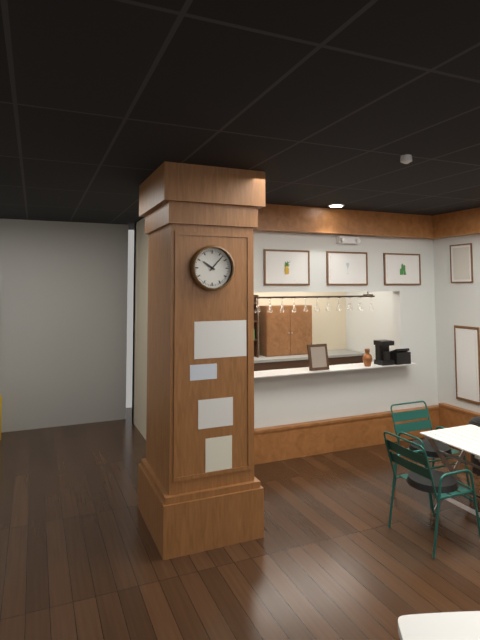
10:07
